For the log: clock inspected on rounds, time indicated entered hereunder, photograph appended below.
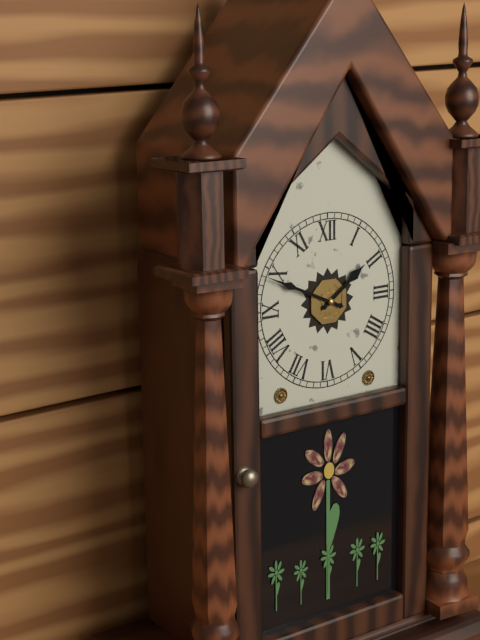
1:49
